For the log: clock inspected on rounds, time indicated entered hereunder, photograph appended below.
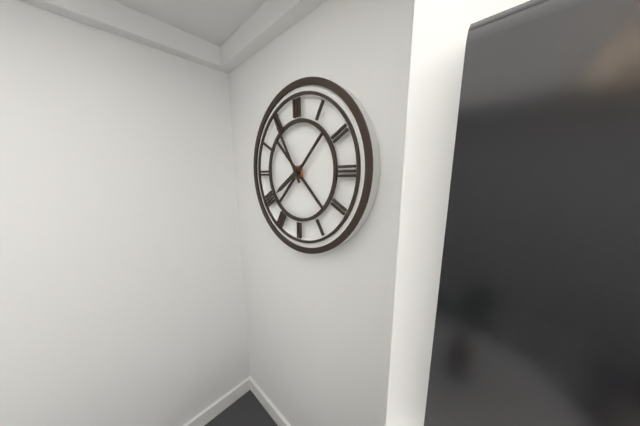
7:55
